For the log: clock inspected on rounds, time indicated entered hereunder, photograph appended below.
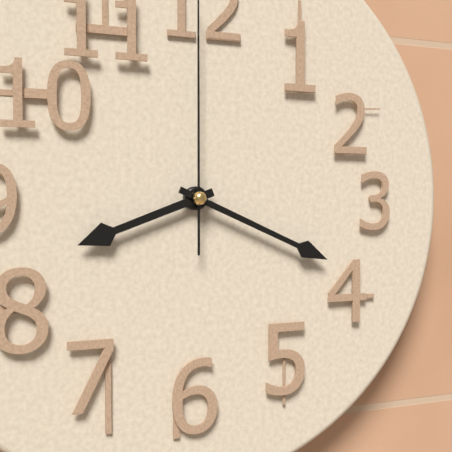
8:19
